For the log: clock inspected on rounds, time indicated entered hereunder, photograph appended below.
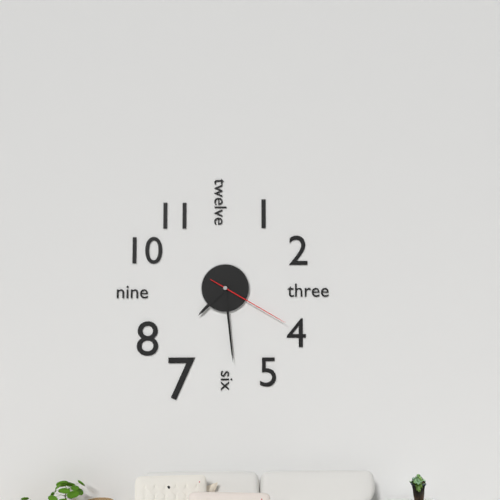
7:29:20
